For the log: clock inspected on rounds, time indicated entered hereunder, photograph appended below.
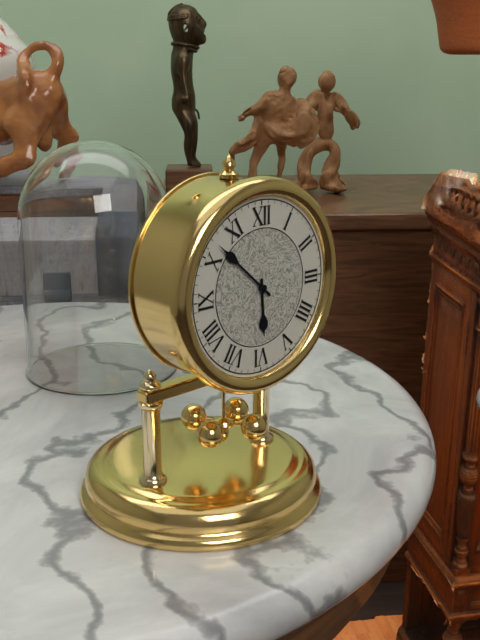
5:52
